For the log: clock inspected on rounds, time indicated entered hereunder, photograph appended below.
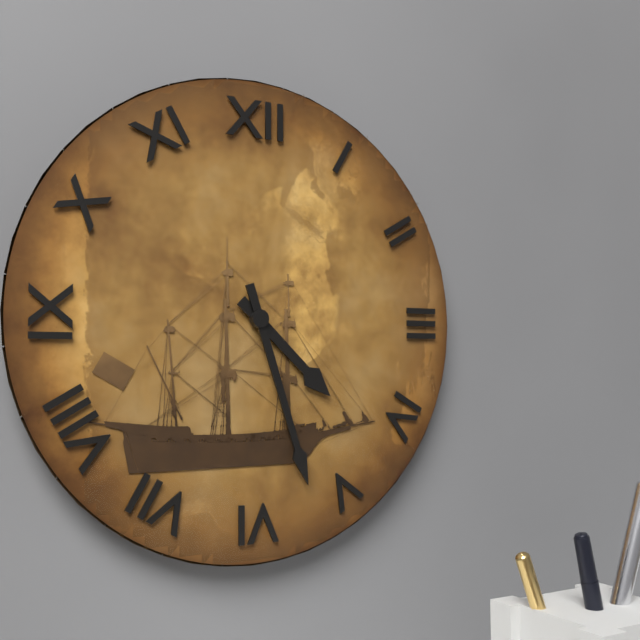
4:27
